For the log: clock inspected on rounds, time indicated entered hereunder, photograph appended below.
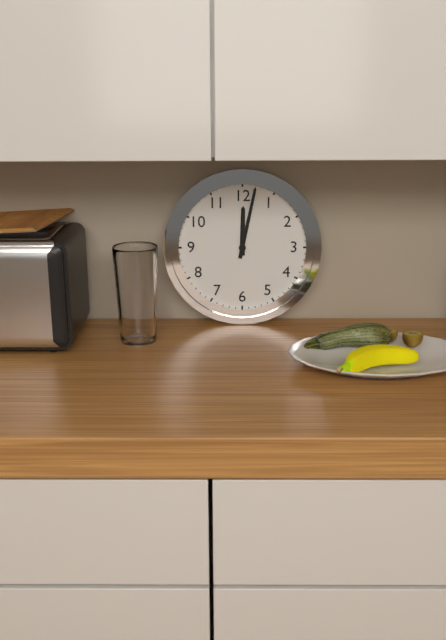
12:02
